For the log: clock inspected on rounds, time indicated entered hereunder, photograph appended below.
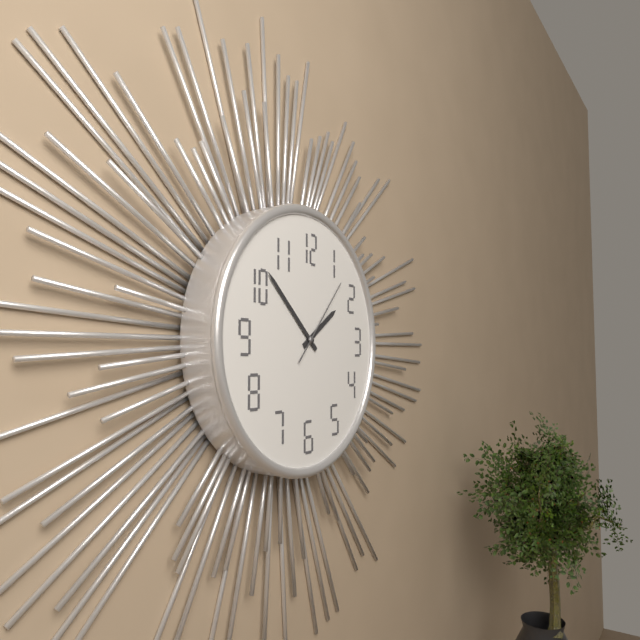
1:52:07
